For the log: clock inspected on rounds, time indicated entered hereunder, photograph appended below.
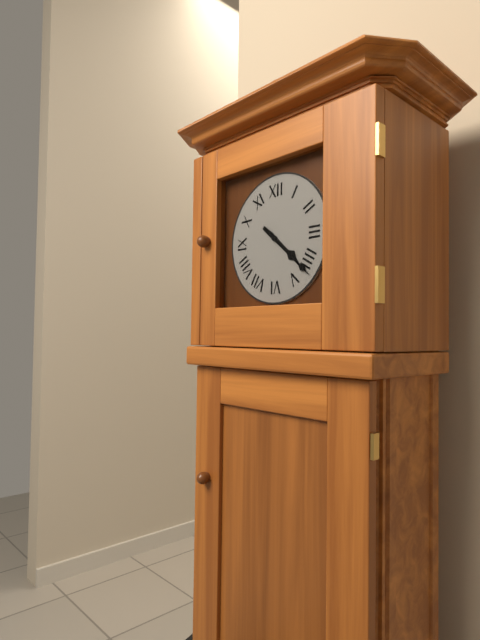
4:22:22
